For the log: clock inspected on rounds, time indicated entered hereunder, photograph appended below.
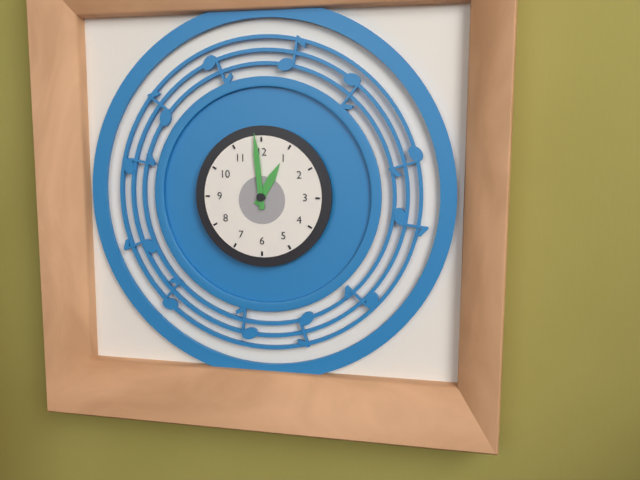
12:59
